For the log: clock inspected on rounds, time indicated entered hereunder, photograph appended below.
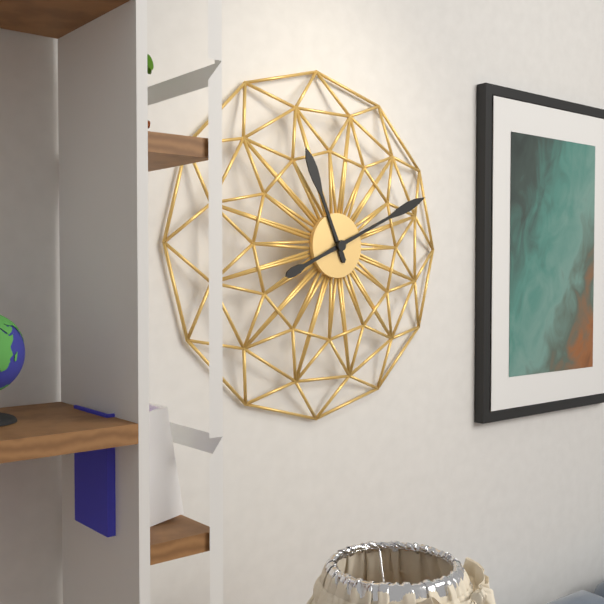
11:11
